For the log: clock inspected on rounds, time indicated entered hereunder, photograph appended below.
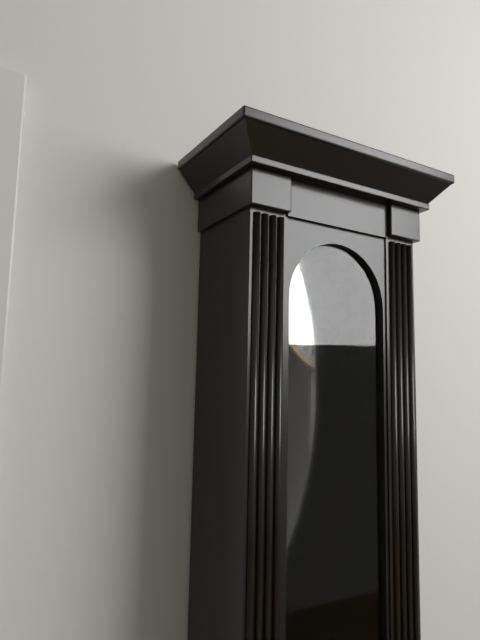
6:53
